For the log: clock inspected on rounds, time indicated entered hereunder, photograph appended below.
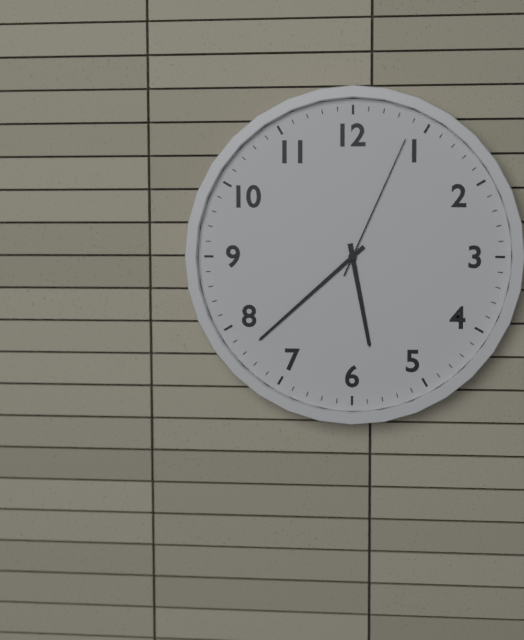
5:38:04
